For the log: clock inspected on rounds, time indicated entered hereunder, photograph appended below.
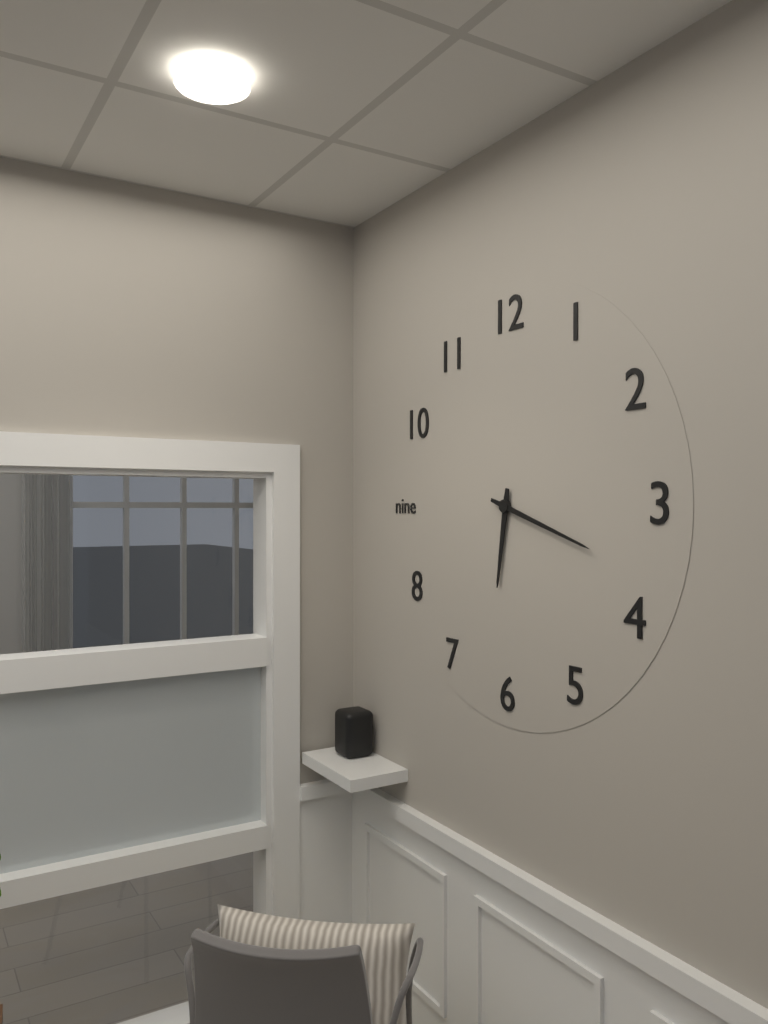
6:18
